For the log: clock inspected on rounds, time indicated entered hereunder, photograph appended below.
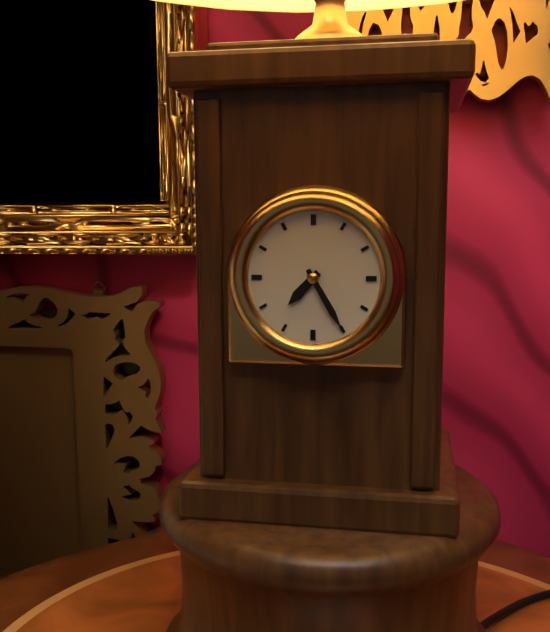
7:25
